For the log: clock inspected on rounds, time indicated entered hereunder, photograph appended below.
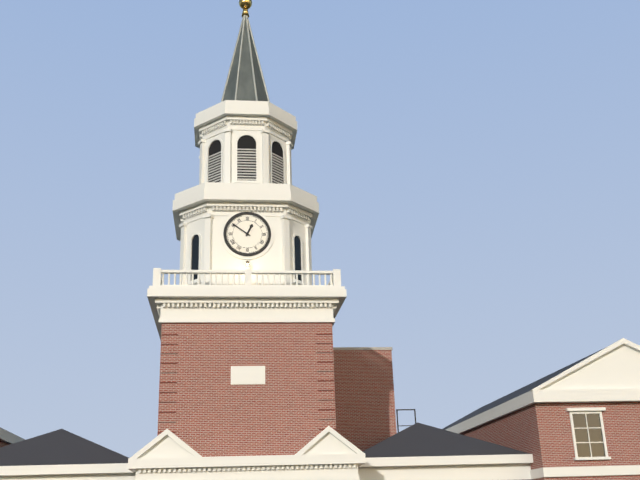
12:51
